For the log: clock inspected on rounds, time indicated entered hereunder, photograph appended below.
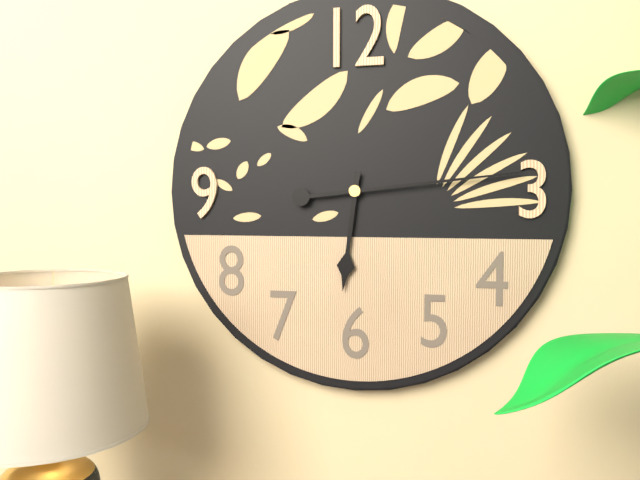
6:14
